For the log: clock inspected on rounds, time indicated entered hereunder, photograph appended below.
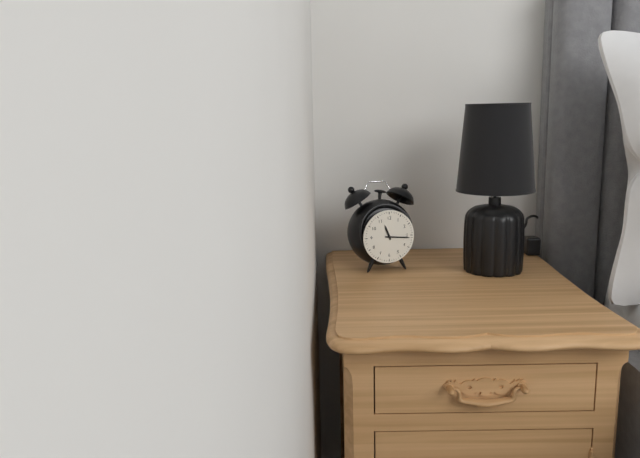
11:16
